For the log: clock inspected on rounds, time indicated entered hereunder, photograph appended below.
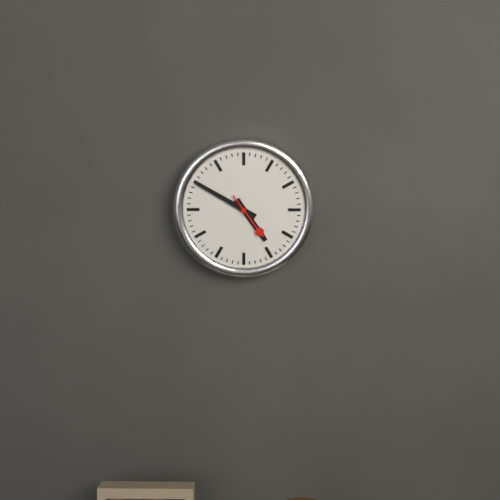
4:50
